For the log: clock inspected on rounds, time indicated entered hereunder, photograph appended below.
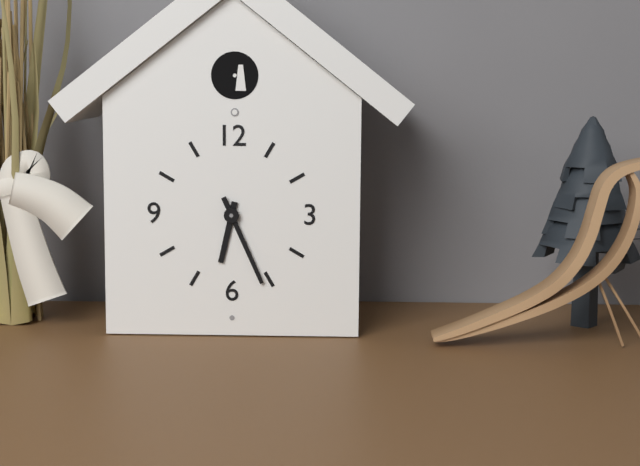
6:26
